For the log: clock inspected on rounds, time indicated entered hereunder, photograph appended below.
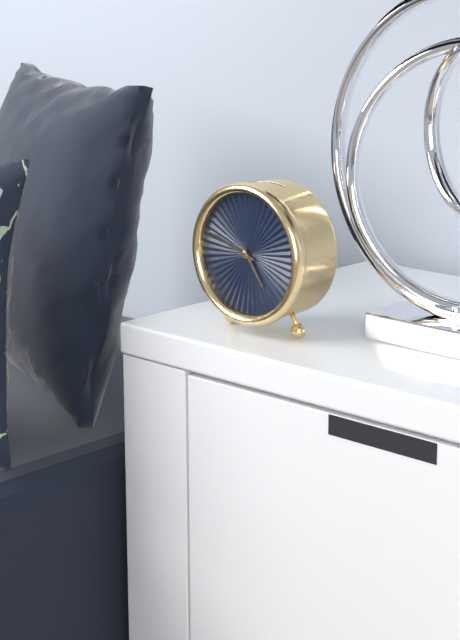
4:48
